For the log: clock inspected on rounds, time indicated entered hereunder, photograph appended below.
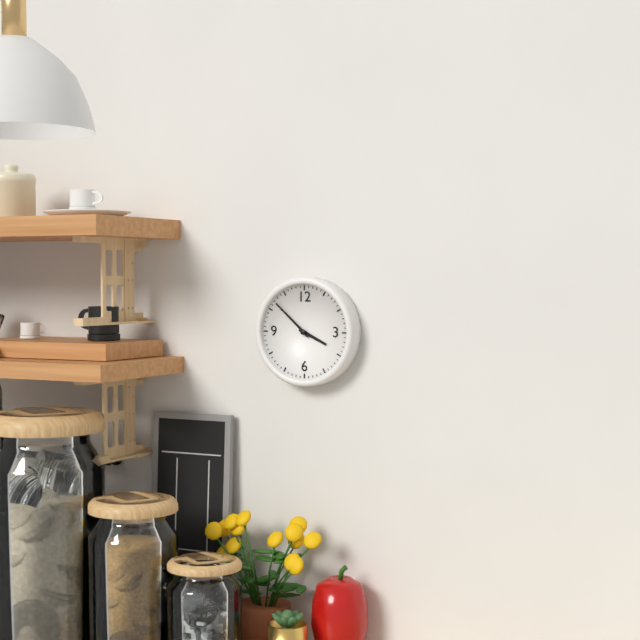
3:52
